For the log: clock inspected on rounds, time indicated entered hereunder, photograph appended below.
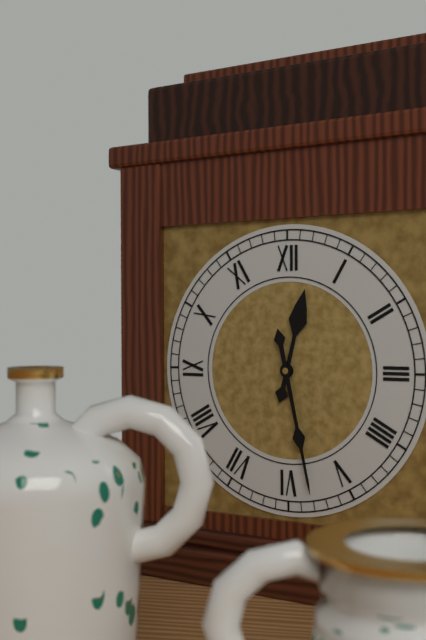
12:28
